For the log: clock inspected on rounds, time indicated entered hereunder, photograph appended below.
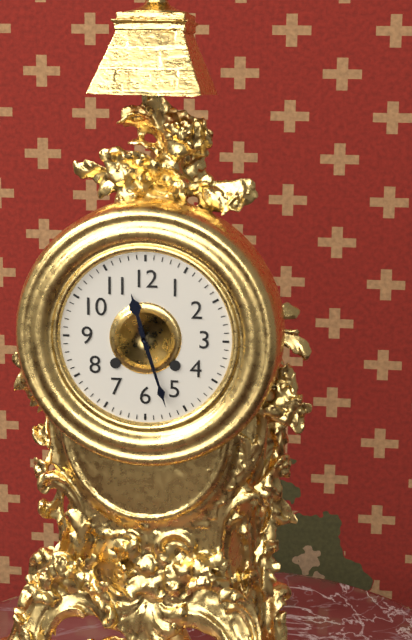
11:27
